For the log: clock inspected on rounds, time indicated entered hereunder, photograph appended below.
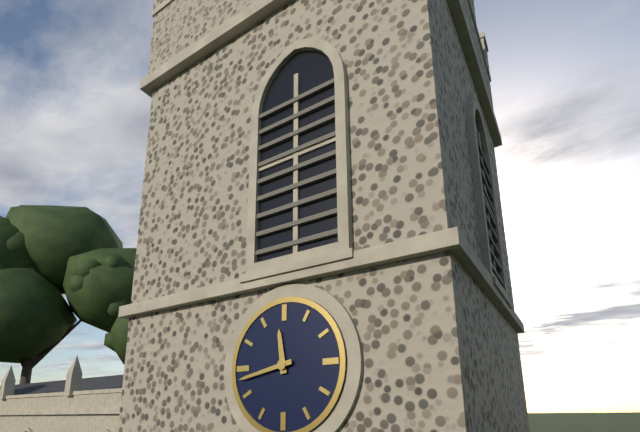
11:43
